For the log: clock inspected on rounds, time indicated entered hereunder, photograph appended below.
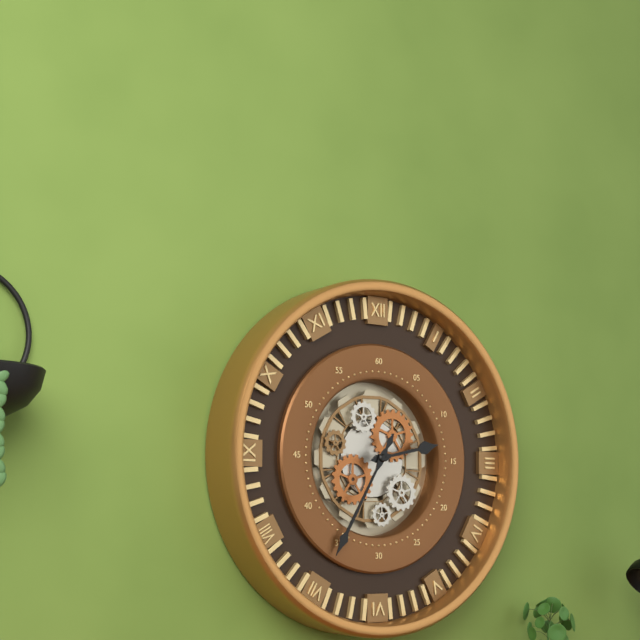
2:35
